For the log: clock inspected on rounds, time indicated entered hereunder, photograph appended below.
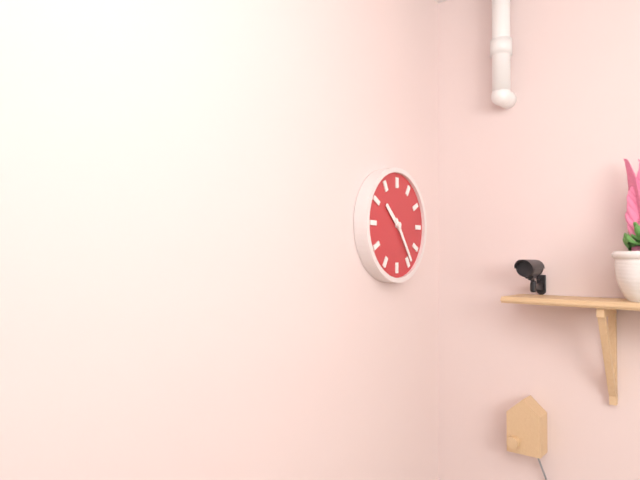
10:24
